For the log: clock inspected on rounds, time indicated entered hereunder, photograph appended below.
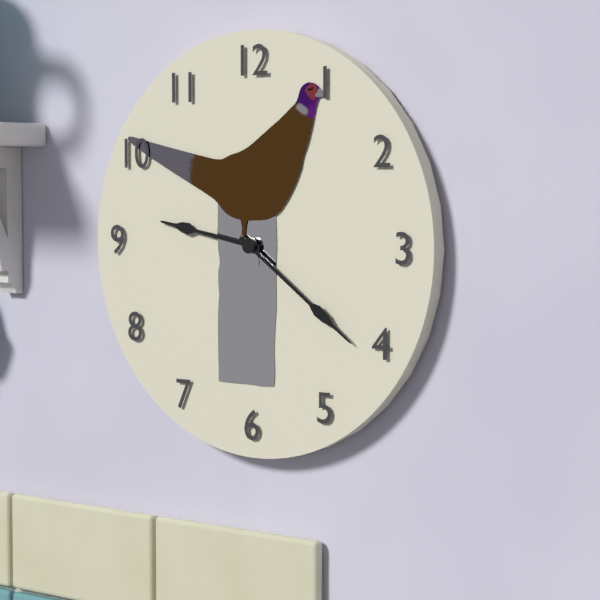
9:21
